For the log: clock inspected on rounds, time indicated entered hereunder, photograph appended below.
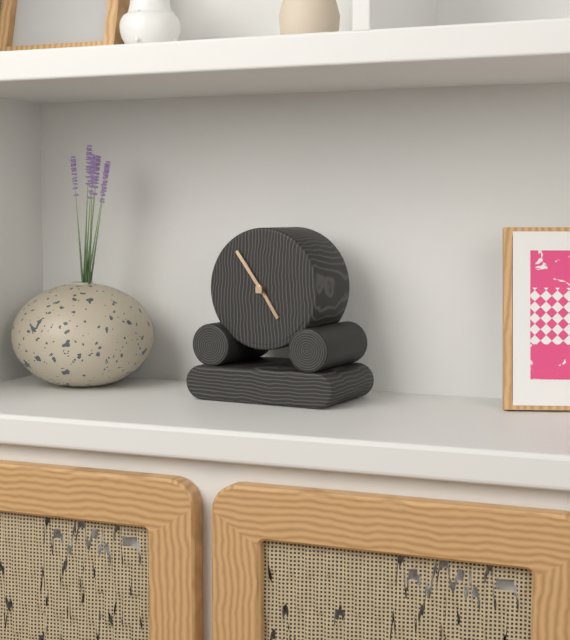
4:54
